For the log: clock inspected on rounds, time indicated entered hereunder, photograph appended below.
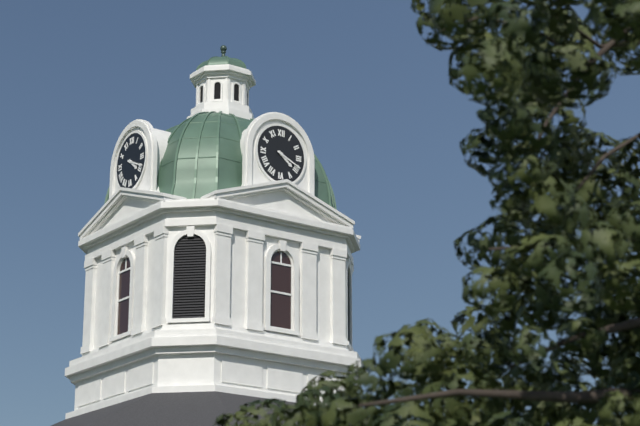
4:19
